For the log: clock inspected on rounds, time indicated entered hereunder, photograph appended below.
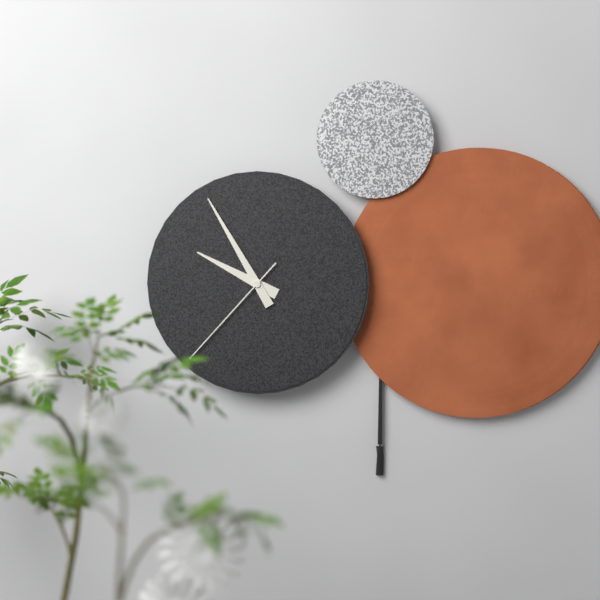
9:55:37
